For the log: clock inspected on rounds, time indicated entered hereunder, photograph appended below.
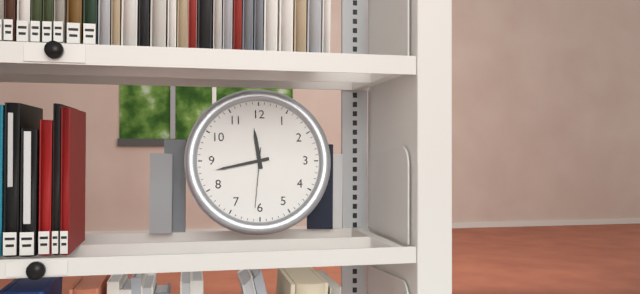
11:43:31
